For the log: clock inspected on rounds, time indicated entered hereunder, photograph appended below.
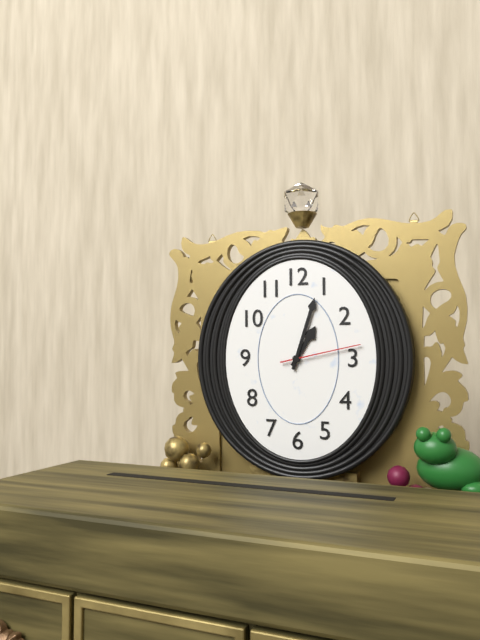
1:03:13
